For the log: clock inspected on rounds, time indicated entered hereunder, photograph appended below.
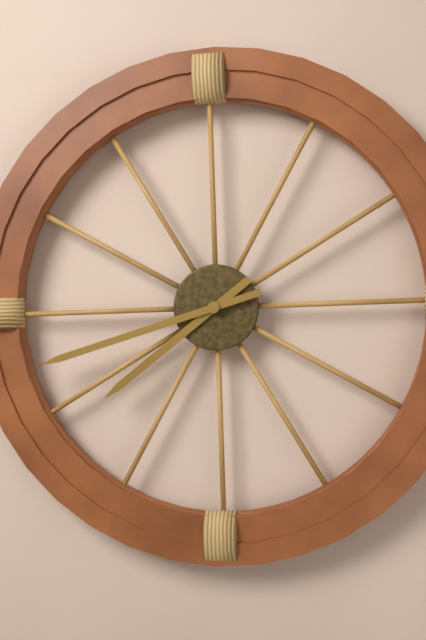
7:42
